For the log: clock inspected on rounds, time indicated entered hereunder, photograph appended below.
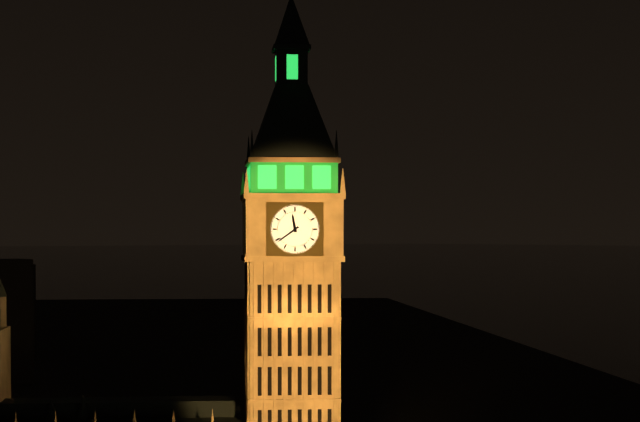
11:39
